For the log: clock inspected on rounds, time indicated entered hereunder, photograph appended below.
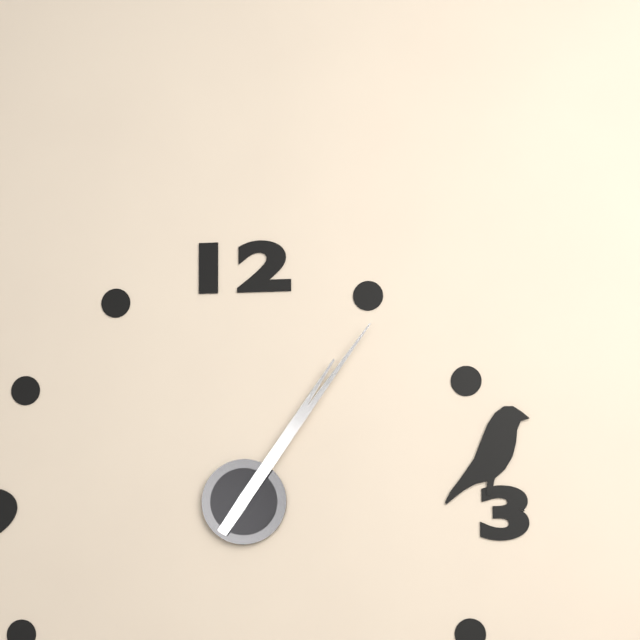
1:06
